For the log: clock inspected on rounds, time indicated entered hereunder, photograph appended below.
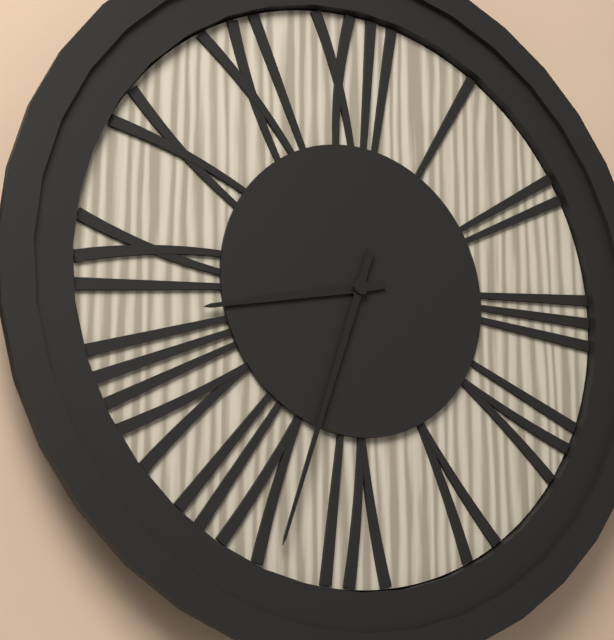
8:33
